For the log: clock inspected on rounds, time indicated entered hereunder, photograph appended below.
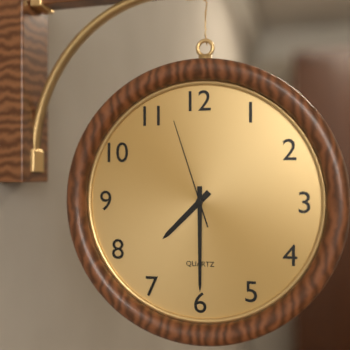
7:30:57
